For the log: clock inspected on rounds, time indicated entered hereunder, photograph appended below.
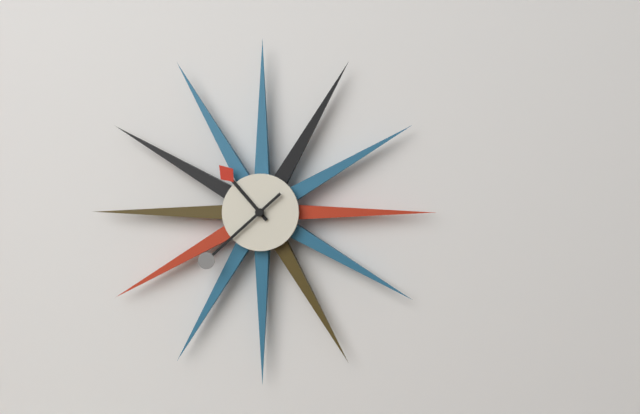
10:38
